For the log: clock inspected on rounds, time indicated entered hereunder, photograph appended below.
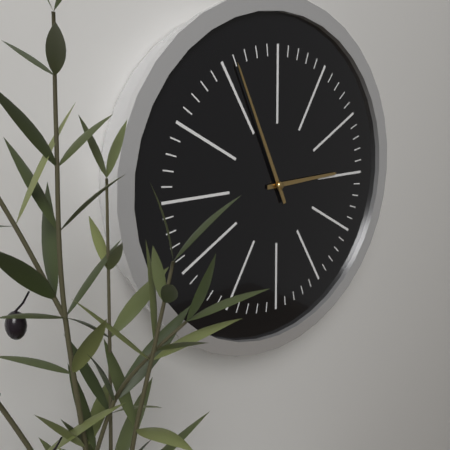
2:56
